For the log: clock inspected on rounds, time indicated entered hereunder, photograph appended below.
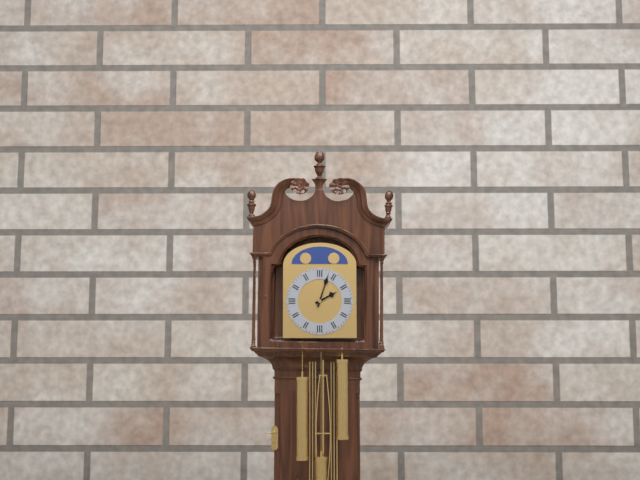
2:03
